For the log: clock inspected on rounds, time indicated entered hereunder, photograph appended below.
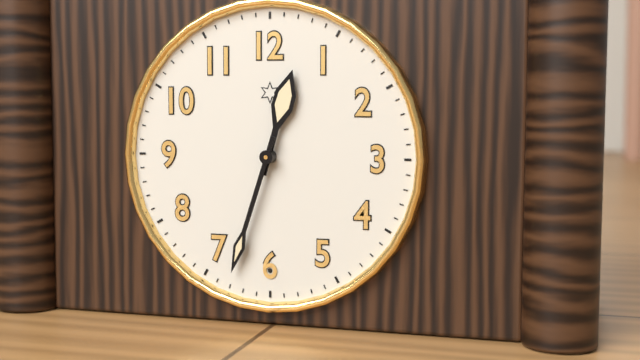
12:33
